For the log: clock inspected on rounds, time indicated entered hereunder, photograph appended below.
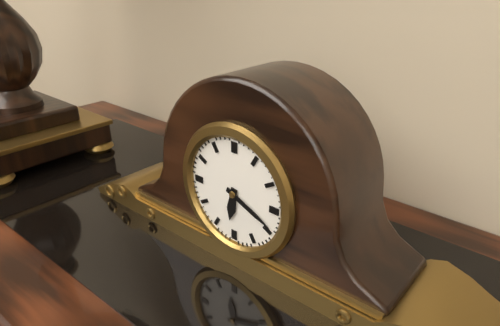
6:19
